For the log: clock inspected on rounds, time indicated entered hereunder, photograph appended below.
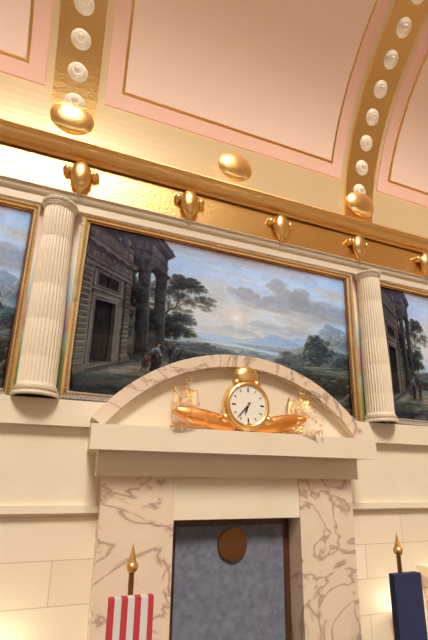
6:37
